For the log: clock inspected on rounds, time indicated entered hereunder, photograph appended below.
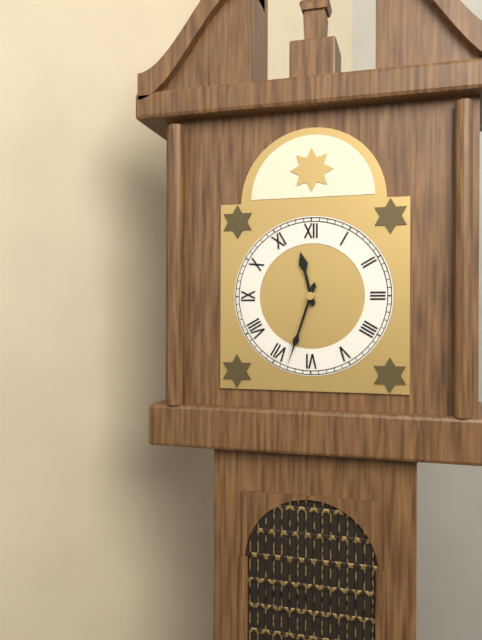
11:33
